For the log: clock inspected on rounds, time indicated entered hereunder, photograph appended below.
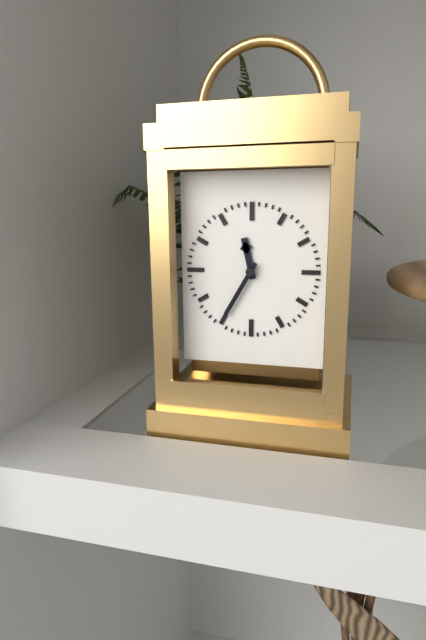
11:35
